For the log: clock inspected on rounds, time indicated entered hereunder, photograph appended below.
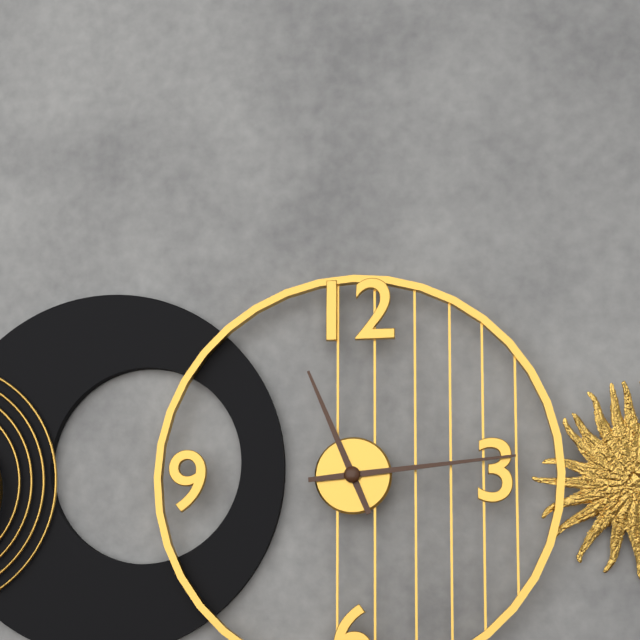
11:14
